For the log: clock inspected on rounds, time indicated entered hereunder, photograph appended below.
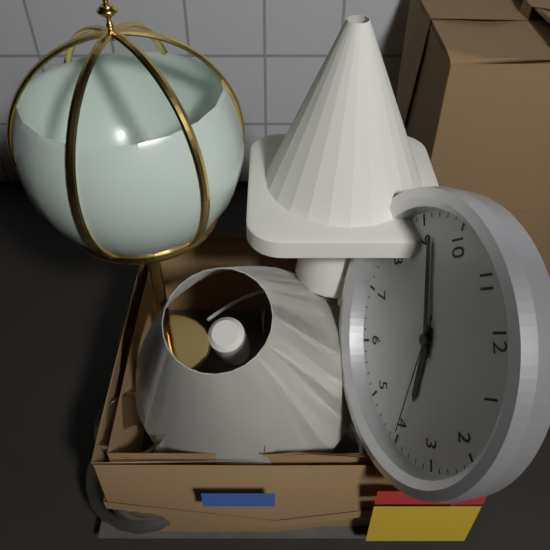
3:46:20
